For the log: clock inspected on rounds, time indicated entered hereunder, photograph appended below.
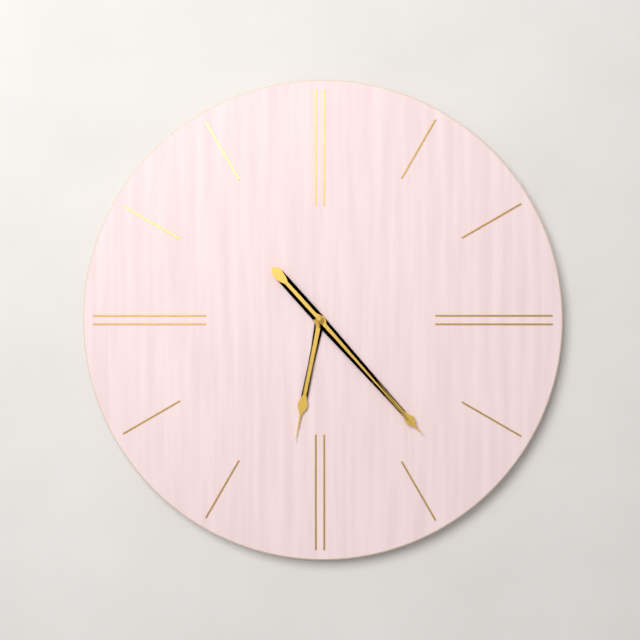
6:23
